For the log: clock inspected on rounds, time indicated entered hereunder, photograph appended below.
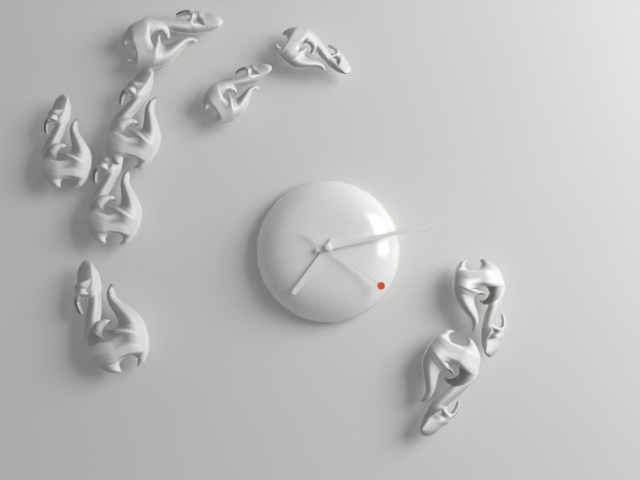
7:13:21
